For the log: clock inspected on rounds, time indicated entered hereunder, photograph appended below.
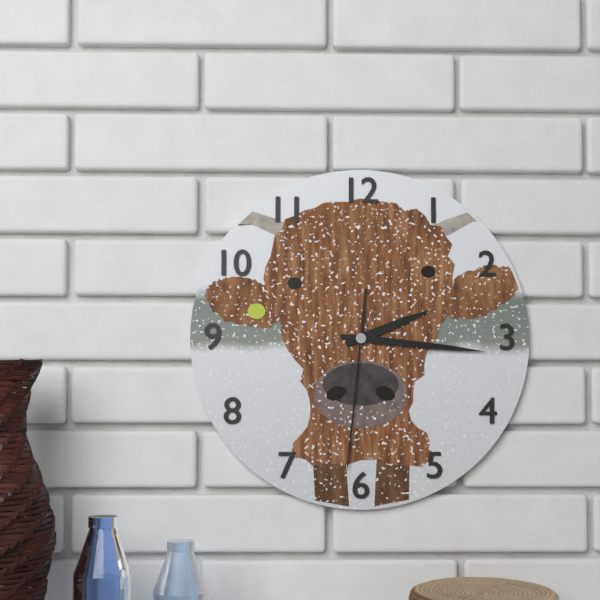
2:16:31
